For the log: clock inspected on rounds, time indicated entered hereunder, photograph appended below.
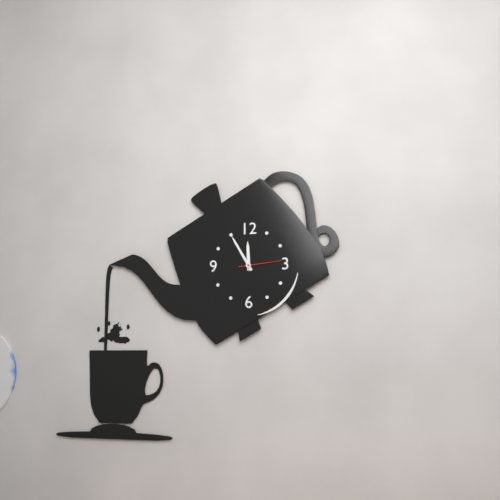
11:55
